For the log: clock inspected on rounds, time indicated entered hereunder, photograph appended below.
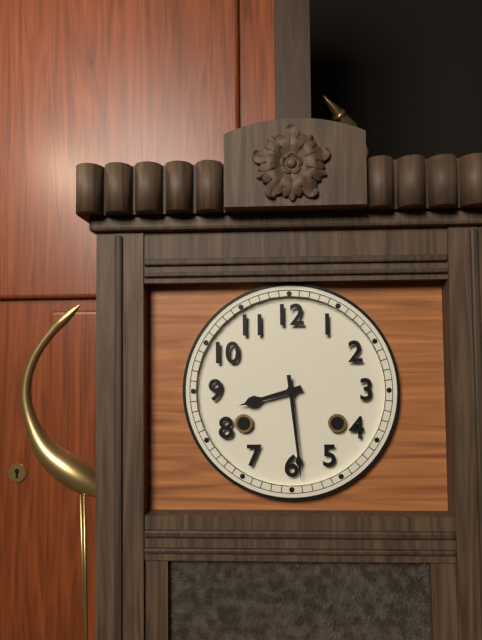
8:29
